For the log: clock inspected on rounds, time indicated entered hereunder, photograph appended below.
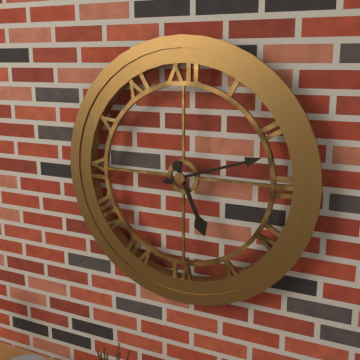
5:12
